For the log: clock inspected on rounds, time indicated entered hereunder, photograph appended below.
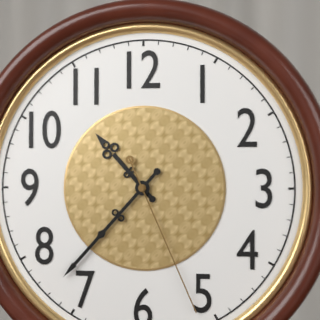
10:37:26
